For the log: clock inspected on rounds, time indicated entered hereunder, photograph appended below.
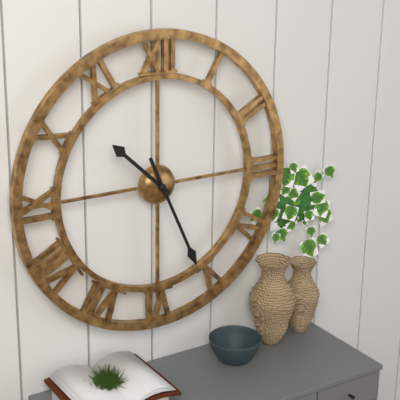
10:26
